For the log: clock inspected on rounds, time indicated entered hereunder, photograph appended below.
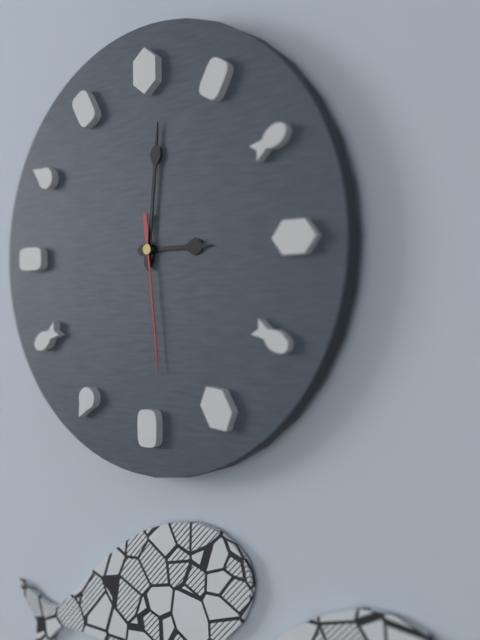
3:01:29
